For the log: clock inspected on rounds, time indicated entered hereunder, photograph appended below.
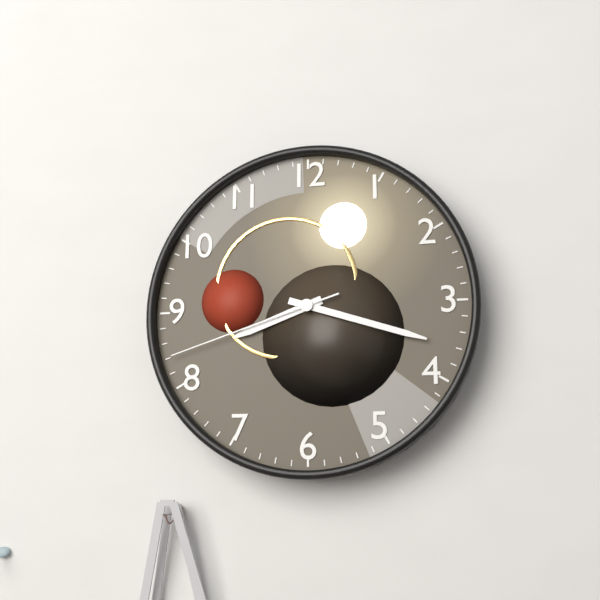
8:18:42
